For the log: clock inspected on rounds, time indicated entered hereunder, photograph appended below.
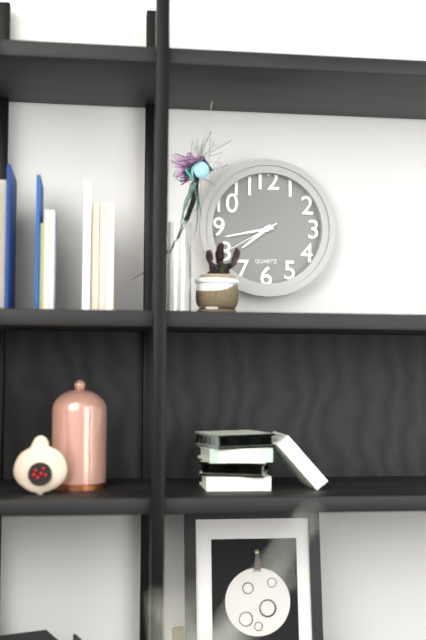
7:43:40
